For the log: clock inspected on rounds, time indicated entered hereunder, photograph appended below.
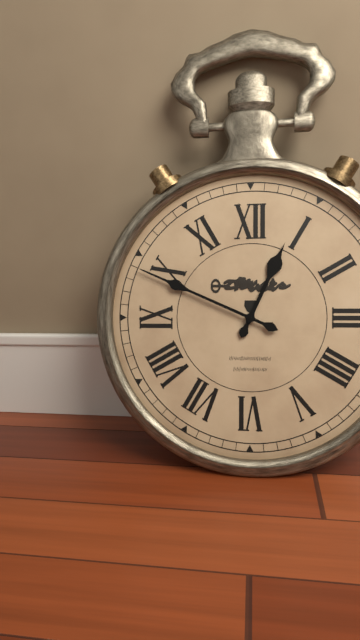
12:49
